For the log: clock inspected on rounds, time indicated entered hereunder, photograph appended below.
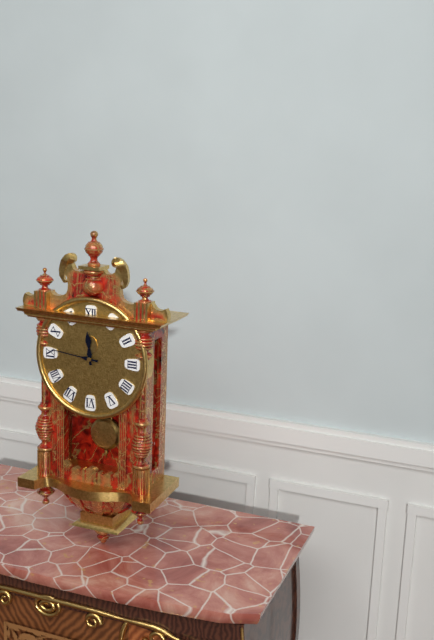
11:46
